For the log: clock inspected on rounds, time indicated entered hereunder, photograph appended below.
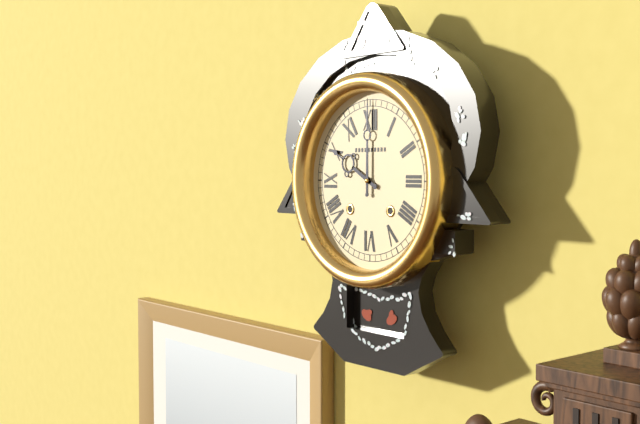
10:00
